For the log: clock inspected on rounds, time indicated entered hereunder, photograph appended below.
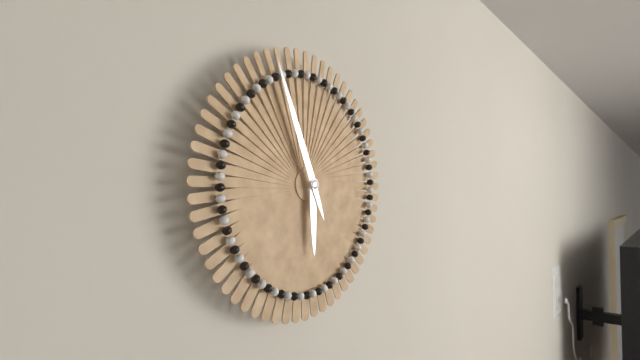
5:56
